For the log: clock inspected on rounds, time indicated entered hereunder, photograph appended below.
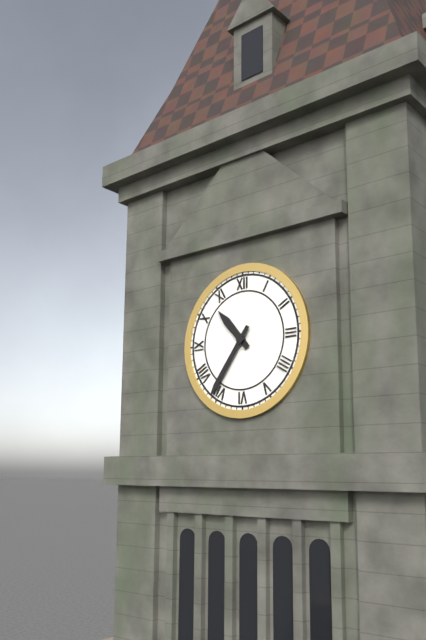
10:36
